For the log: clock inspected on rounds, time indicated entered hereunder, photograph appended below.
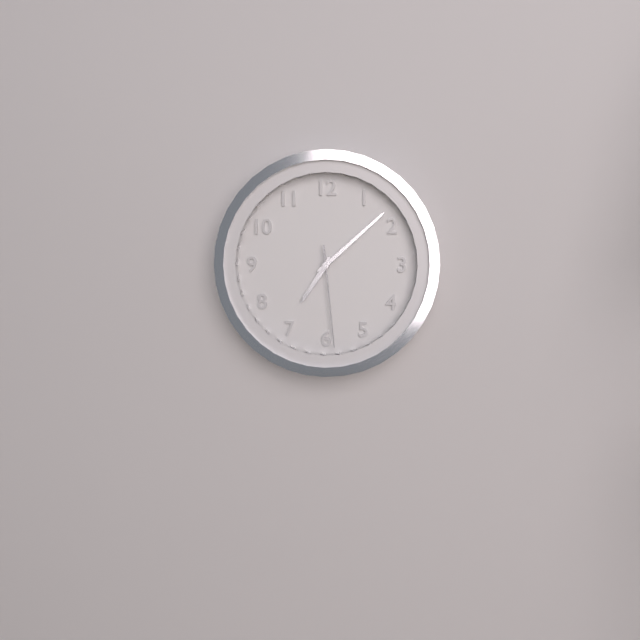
7:08:29
